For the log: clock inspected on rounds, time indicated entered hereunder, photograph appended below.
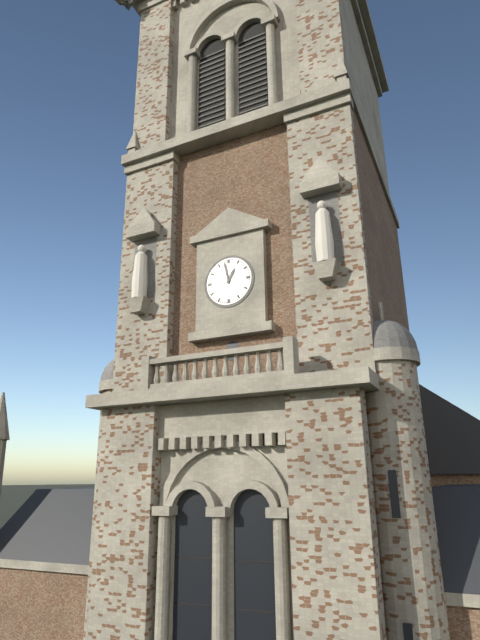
12:58
